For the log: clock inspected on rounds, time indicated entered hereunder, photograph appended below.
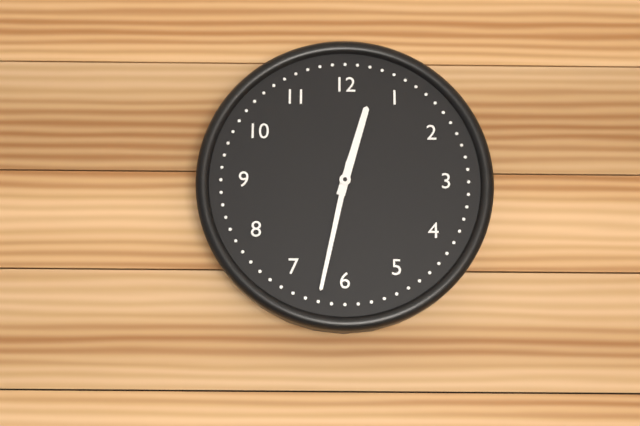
12:32
